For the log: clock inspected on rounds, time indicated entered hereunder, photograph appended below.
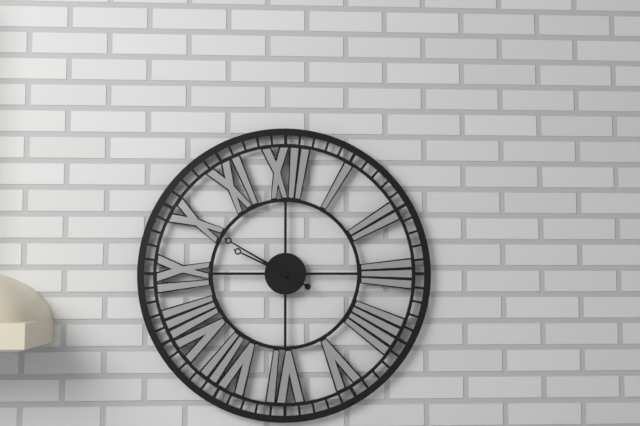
9:50
